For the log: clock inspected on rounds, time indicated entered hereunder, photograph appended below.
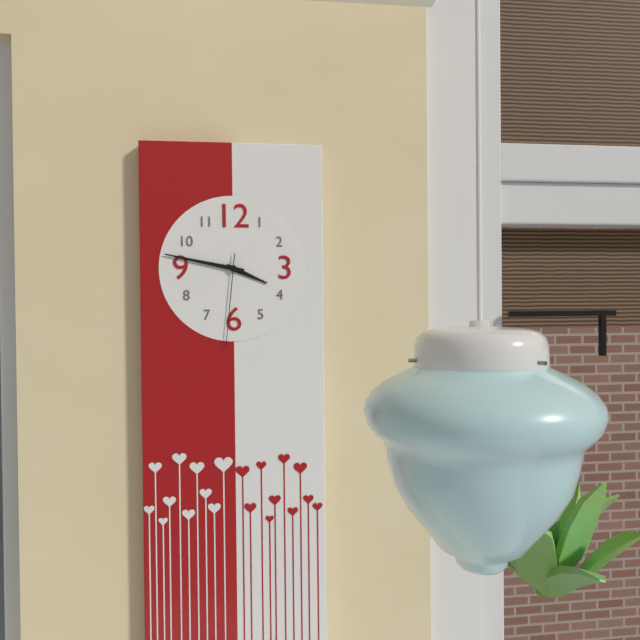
3:47:31
